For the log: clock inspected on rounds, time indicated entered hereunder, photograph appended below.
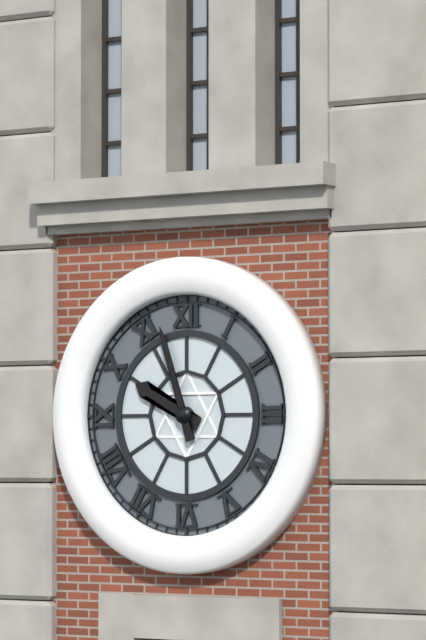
9:57
